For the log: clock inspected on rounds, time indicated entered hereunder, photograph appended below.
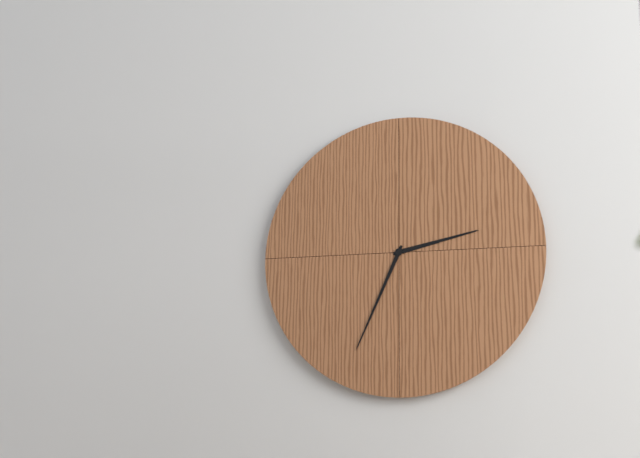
2:34
